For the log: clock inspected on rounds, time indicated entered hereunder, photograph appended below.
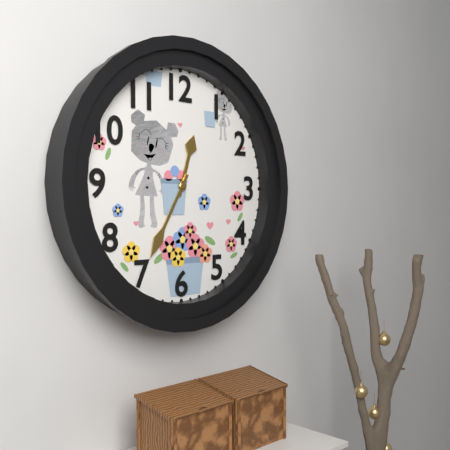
12:35
